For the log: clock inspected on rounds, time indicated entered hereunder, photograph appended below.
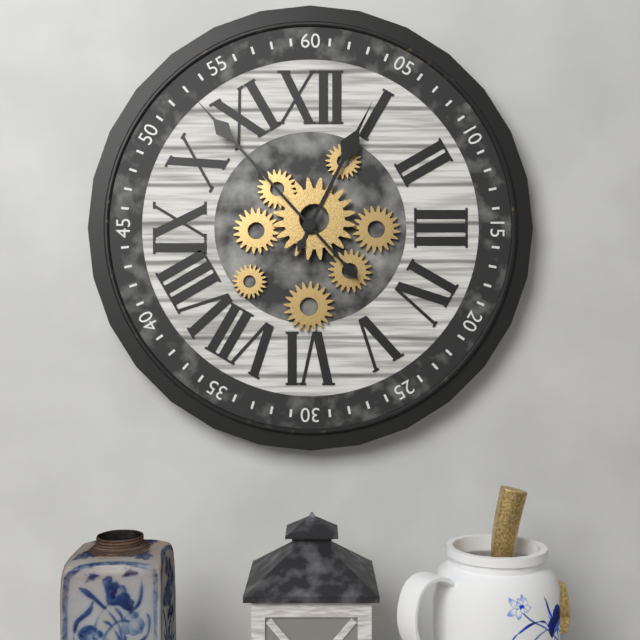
12:53
